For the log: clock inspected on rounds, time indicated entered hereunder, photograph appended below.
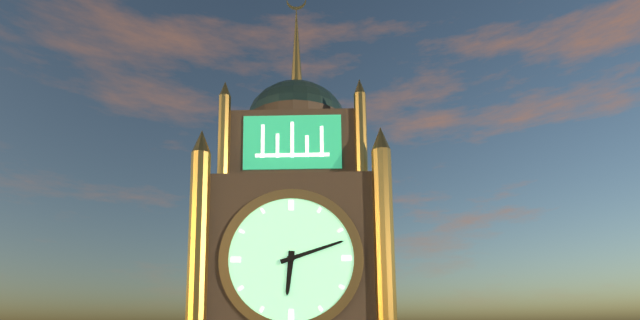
6:12
